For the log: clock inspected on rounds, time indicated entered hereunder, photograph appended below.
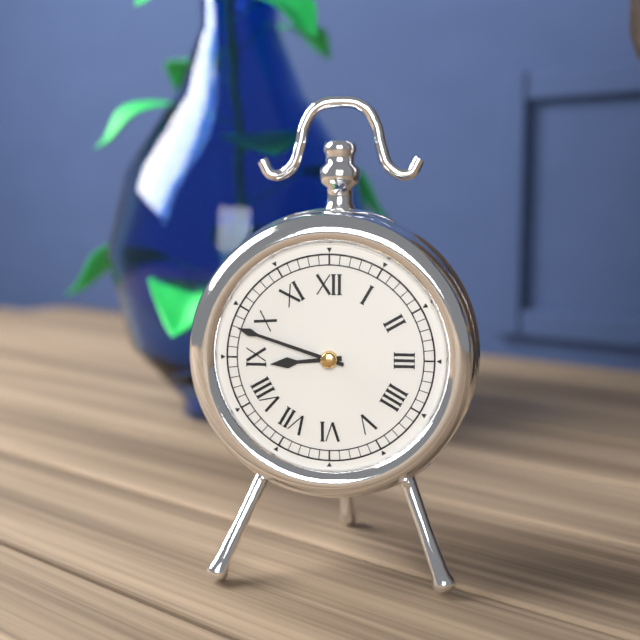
8:48
